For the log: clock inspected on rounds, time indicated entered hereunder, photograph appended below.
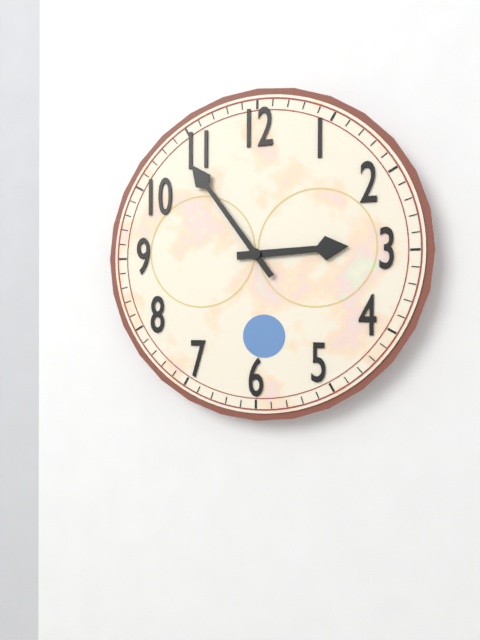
2:54
